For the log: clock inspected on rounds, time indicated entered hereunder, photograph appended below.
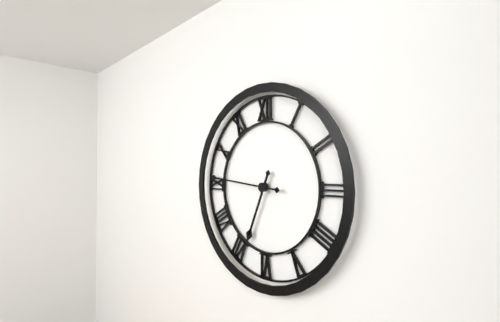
6:46
